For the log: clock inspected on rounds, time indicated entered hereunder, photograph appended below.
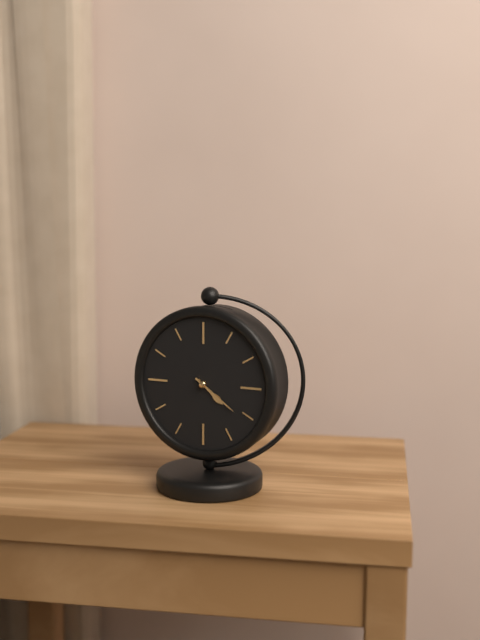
4:21
